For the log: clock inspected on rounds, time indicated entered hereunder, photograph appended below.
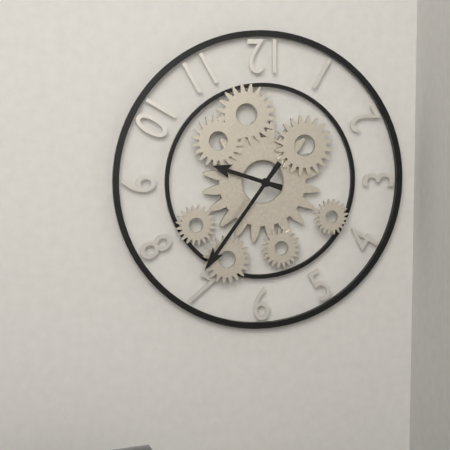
9:36
